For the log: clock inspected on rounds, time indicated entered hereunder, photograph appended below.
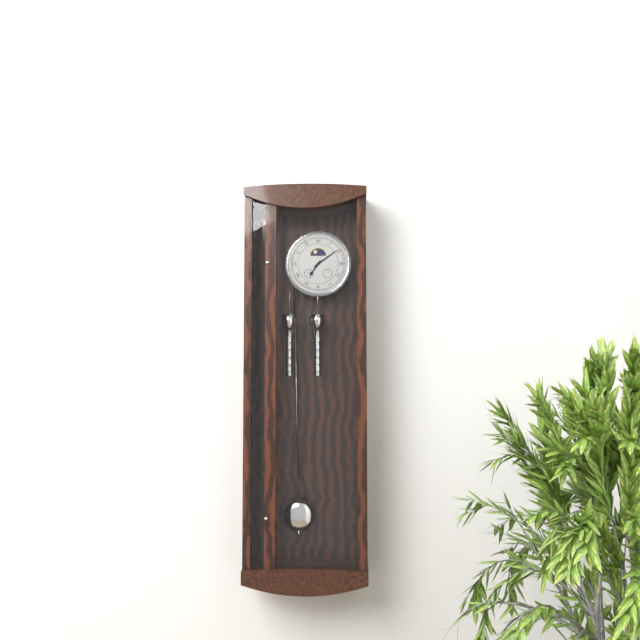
7:09
